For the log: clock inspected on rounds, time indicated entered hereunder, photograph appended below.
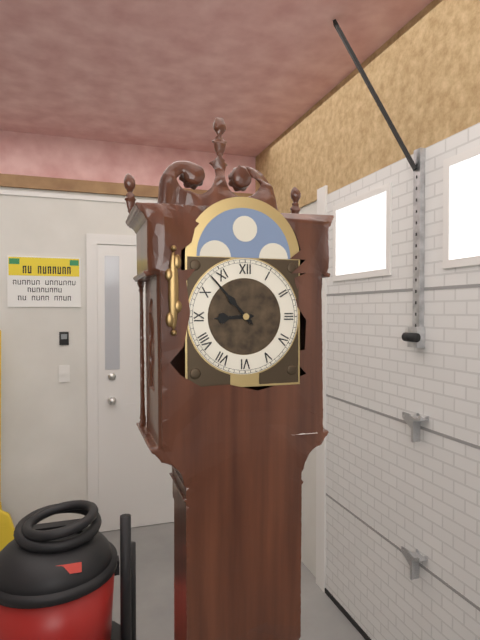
8:53
